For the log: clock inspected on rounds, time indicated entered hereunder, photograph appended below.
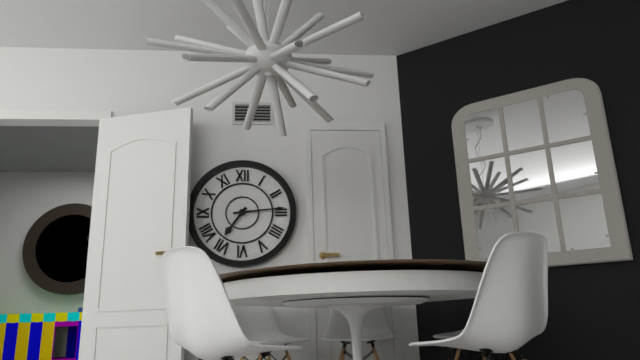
7:14
